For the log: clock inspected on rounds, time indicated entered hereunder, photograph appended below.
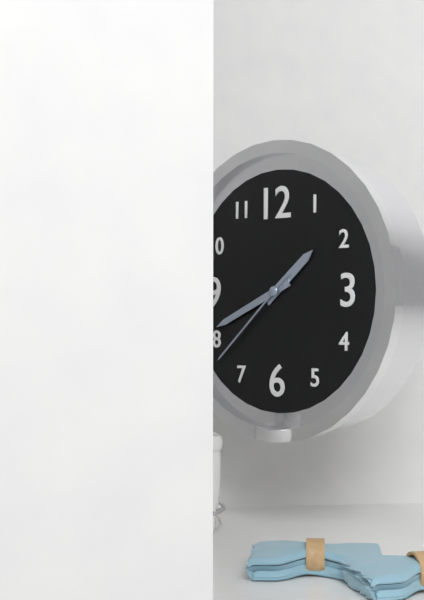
1:41:38
